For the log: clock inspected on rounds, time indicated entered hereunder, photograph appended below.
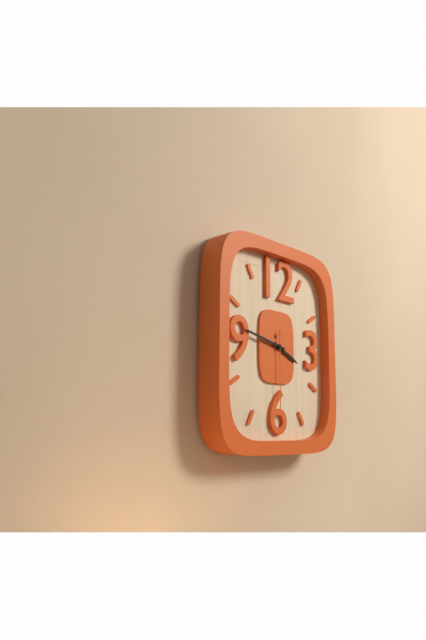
3:47:30
